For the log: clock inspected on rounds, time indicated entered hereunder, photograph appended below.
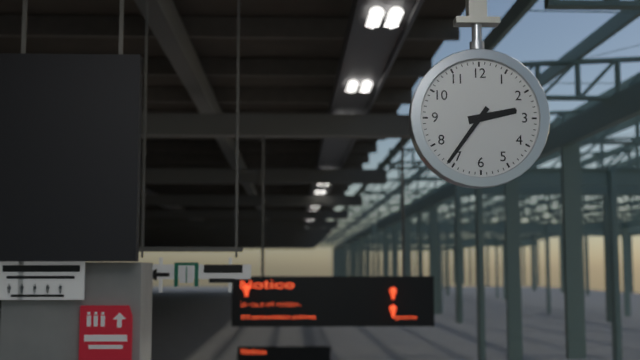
2:36
